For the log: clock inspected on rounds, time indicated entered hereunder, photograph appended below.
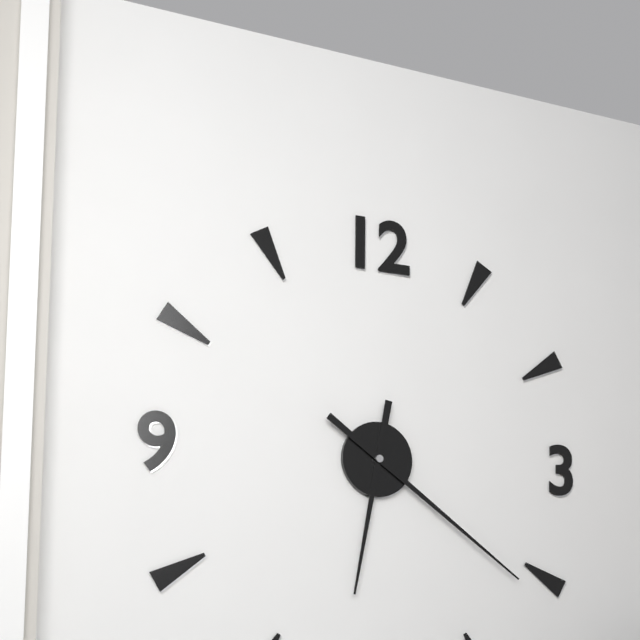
6:21
